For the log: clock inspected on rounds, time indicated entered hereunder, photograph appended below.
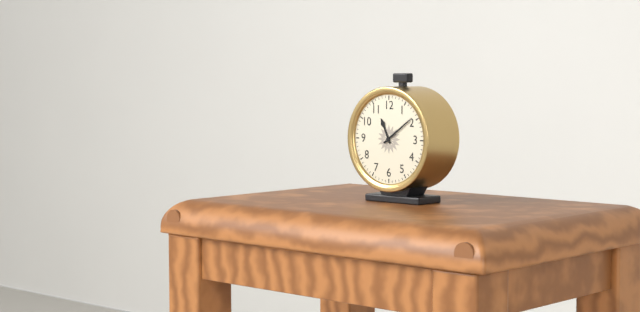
11:09
